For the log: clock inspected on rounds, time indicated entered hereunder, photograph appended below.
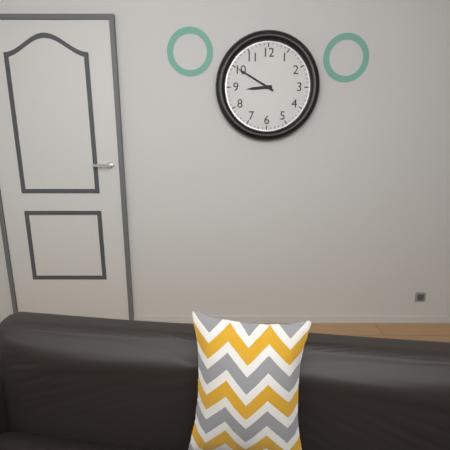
8:50
